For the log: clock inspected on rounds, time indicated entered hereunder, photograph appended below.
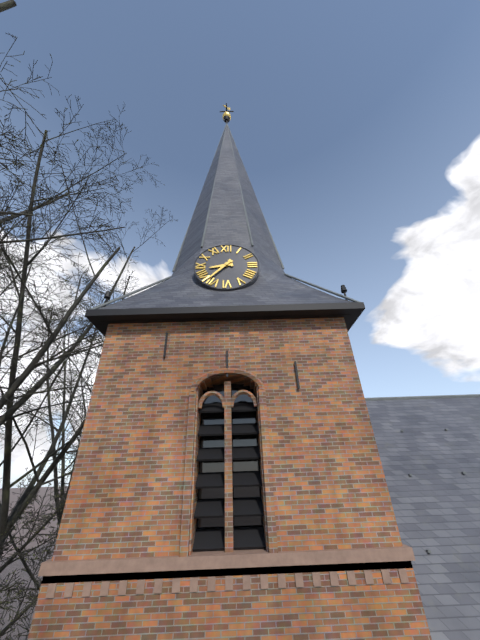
8:37
